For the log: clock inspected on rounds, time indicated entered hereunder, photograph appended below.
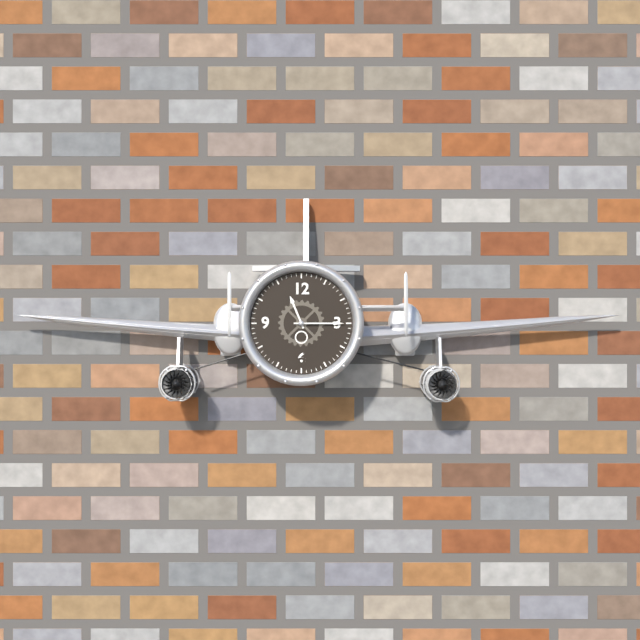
11:15
